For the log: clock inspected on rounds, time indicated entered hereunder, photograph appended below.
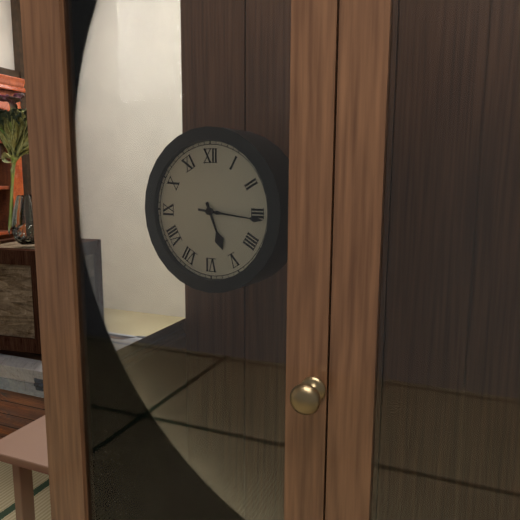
5:16
